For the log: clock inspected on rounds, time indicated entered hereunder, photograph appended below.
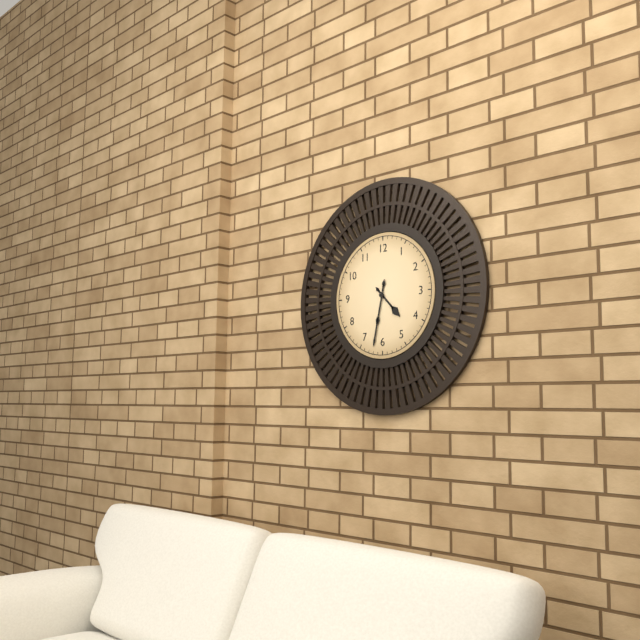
4:32
